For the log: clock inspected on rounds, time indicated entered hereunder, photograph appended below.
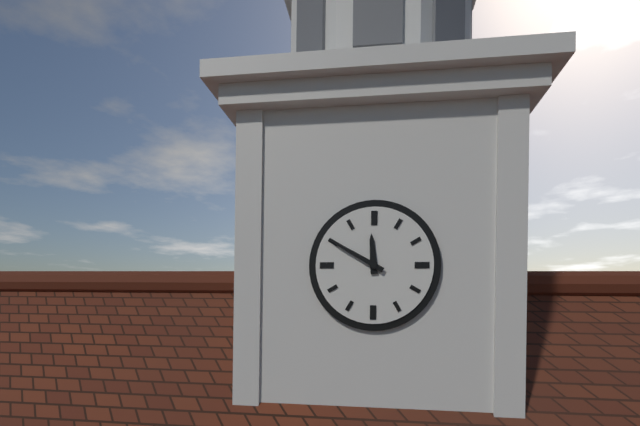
11:50
